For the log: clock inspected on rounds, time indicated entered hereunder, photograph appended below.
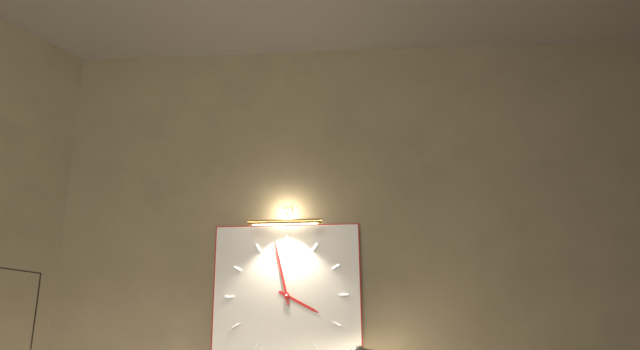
3:58
